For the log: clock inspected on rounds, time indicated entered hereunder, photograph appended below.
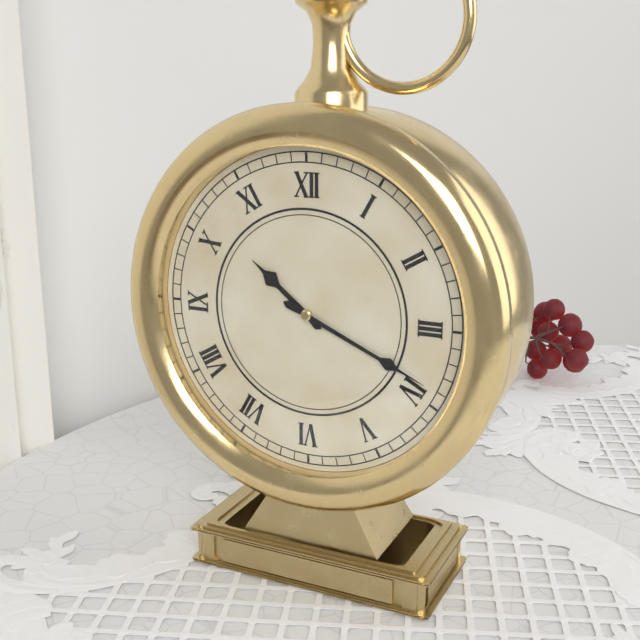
10:19
